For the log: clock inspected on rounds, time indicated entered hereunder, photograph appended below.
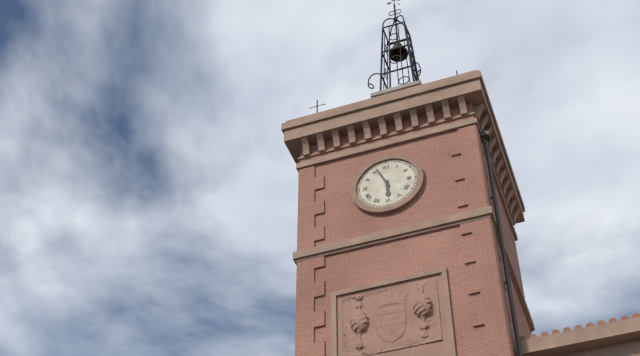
5:56
